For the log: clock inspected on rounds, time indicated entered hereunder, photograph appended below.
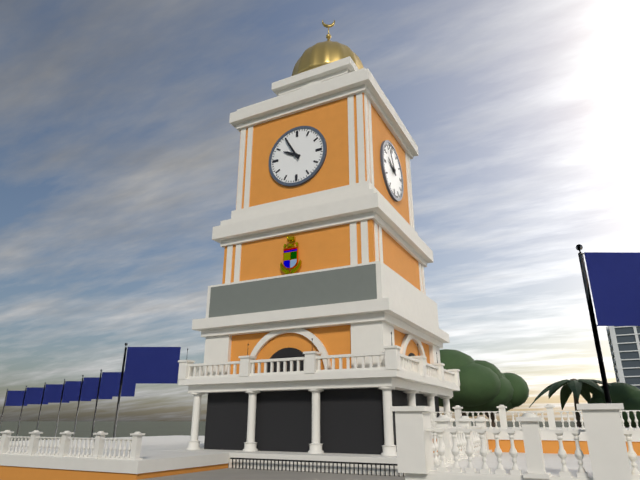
9:55
